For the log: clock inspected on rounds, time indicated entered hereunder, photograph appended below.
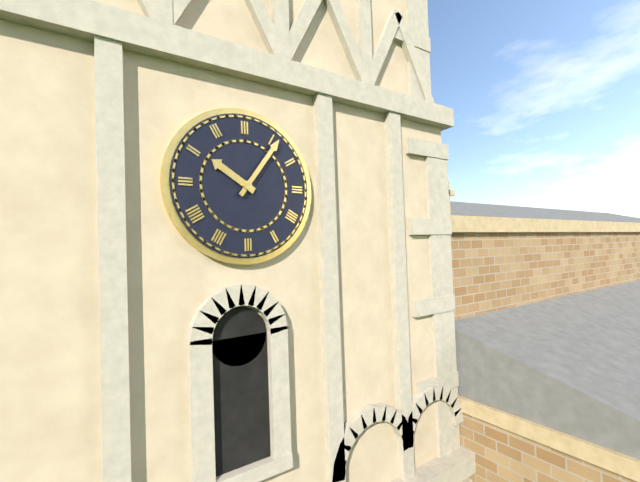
10:06
